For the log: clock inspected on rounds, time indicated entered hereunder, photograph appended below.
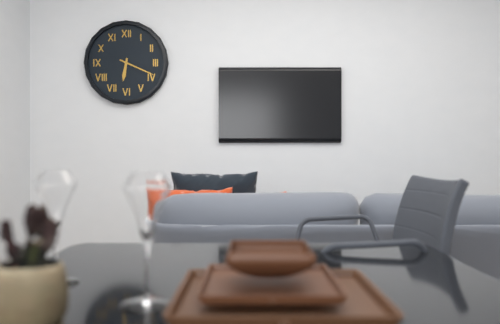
6:19
